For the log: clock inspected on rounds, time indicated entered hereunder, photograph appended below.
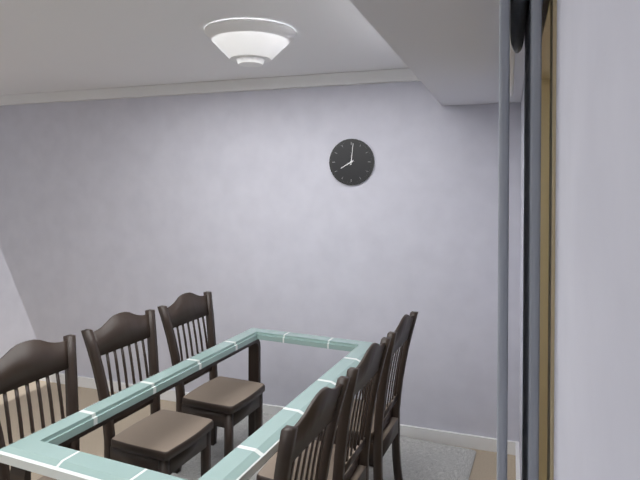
8:01
